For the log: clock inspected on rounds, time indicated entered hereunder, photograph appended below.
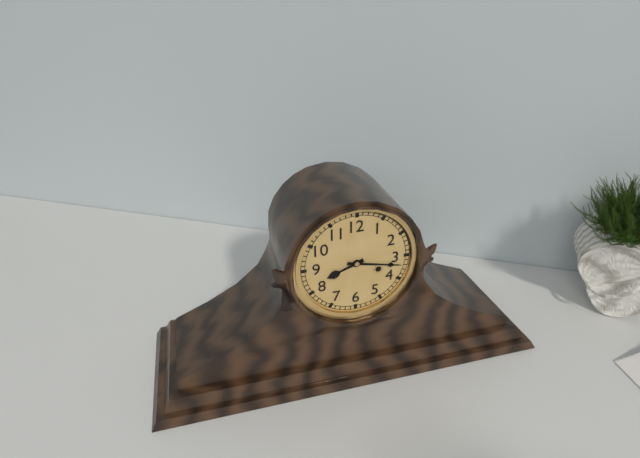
8:17
